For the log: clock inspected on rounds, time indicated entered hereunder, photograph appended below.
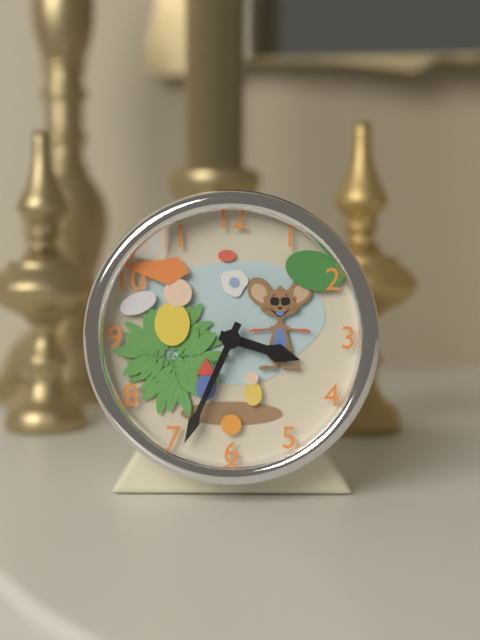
3:34
